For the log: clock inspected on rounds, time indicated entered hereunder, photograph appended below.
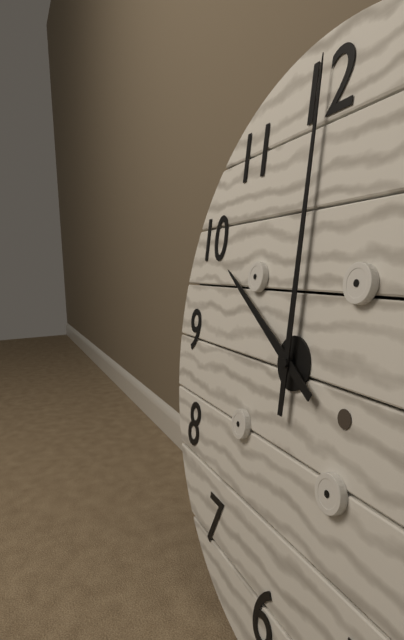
10:00
